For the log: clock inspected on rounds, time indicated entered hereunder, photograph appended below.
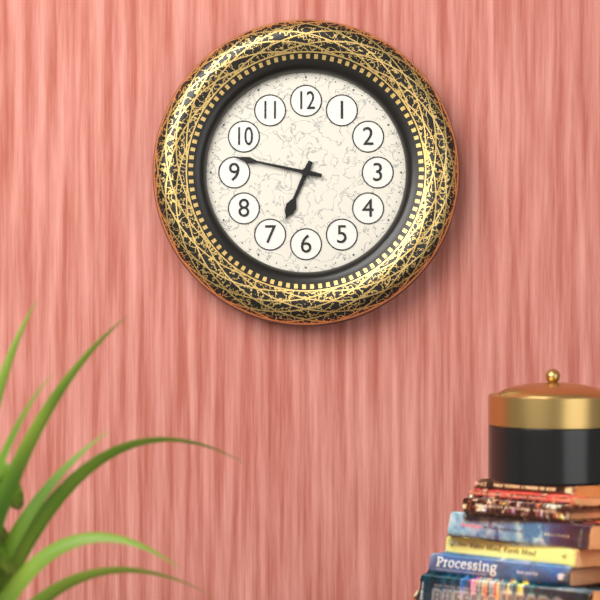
6:47
